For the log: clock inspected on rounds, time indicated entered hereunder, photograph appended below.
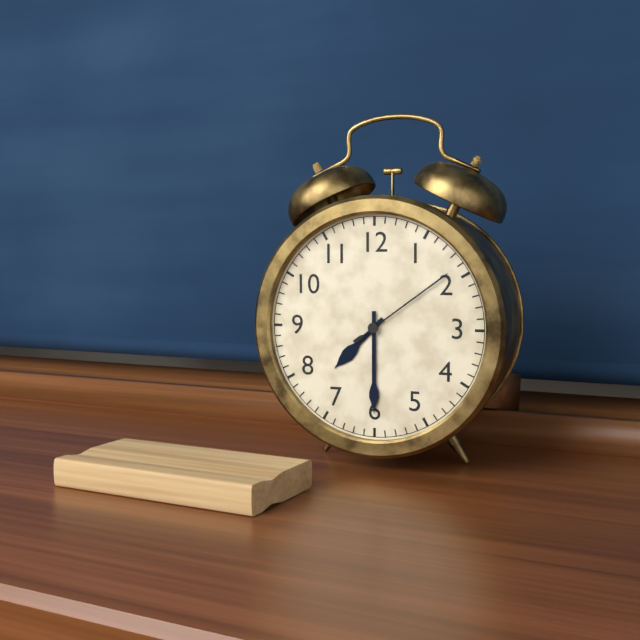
7:30:09
